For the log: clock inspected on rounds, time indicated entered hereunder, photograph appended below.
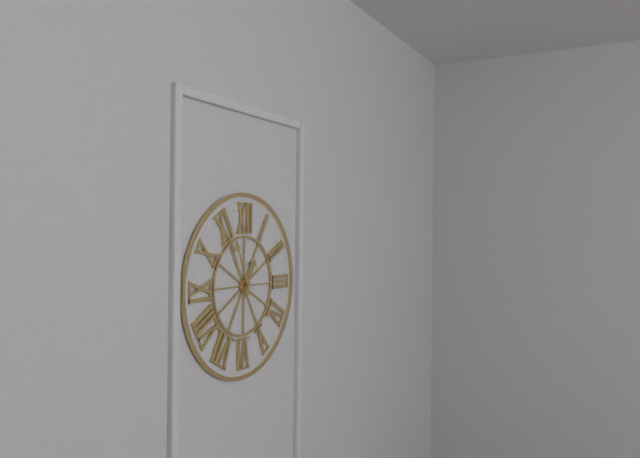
12:56
